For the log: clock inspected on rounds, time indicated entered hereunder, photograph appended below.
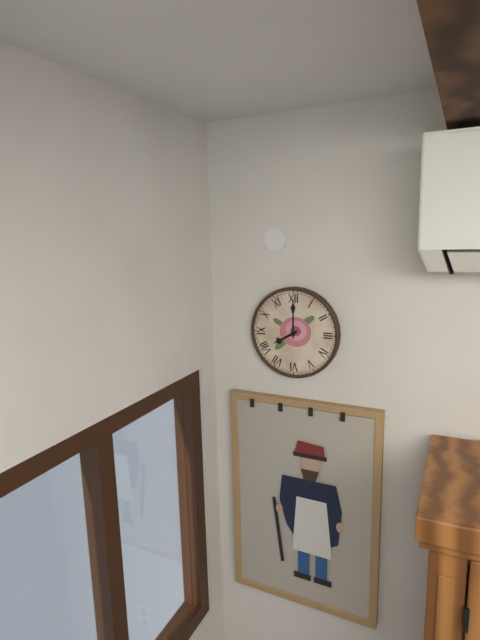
8:00
